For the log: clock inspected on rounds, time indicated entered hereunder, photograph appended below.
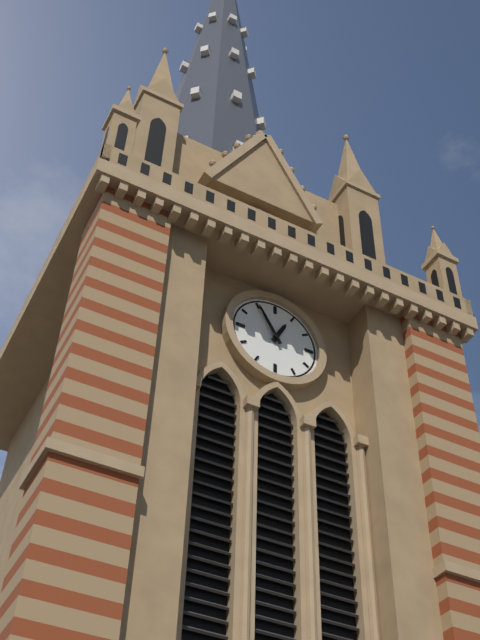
12:55
